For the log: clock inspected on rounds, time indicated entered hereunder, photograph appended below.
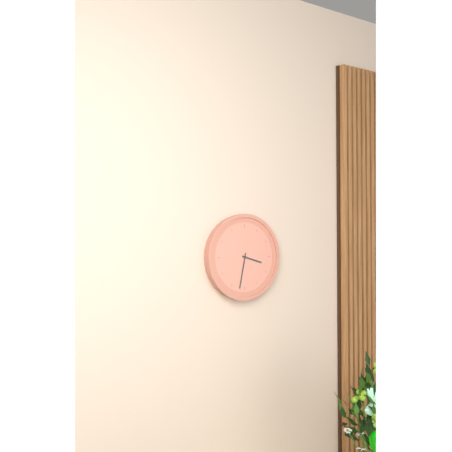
3:32
